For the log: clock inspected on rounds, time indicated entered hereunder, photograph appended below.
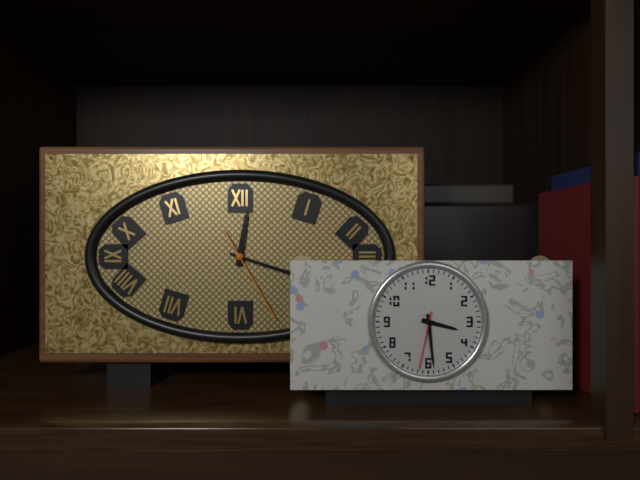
12:18:25
